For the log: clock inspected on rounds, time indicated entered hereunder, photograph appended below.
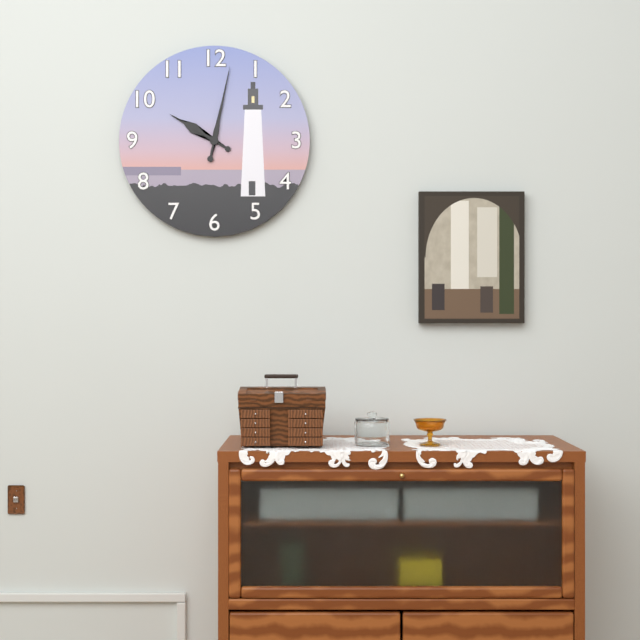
10:02
